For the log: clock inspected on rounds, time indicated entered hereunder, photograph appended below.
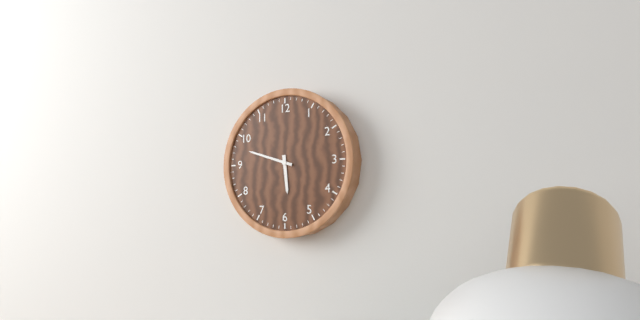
5:48
